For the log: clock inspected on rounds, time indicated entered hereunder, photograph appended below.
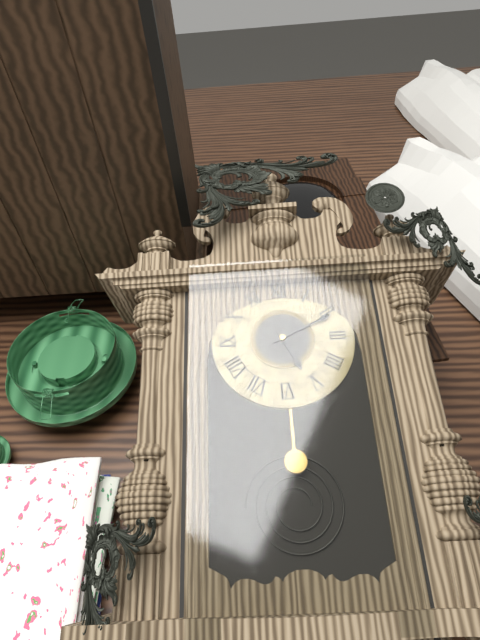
5:11
